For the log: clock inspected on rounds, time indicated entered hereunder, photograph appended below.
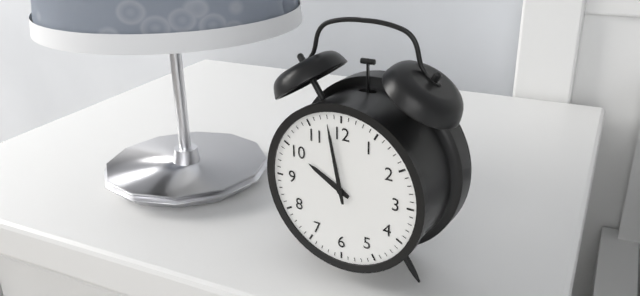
9:58
